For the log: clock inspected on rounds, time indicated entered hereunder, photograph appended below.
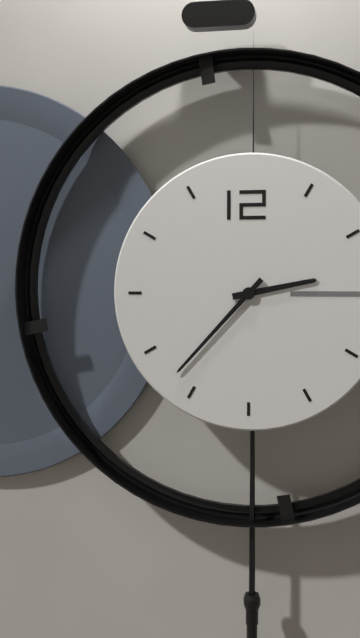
2:37
